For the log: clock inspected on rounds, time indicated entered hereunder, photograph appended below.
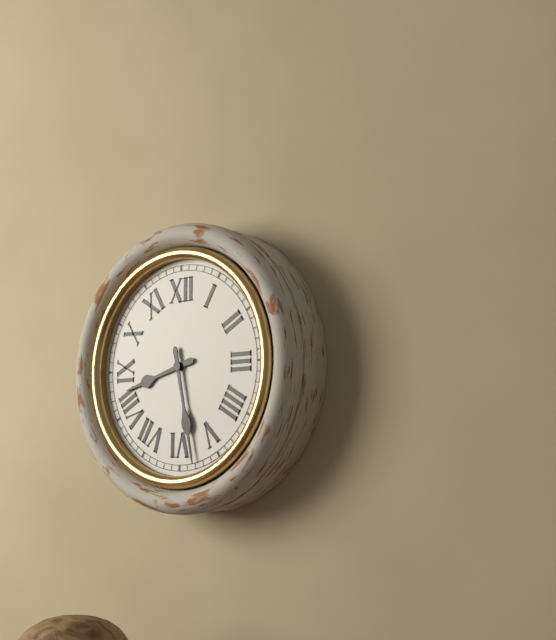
8:28
